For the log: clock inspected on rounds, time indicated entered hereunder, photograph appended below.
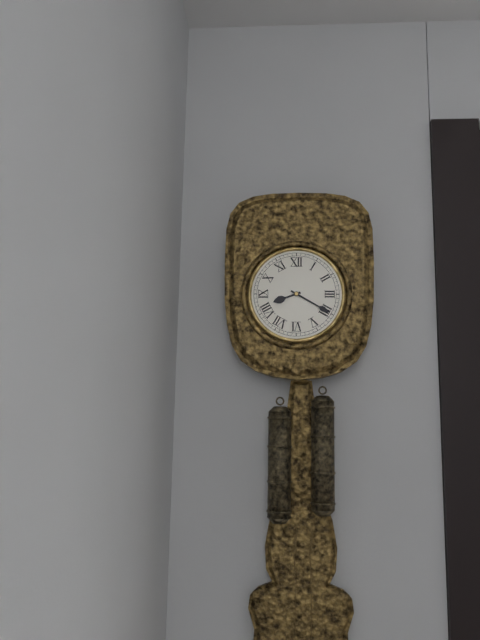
8:20
